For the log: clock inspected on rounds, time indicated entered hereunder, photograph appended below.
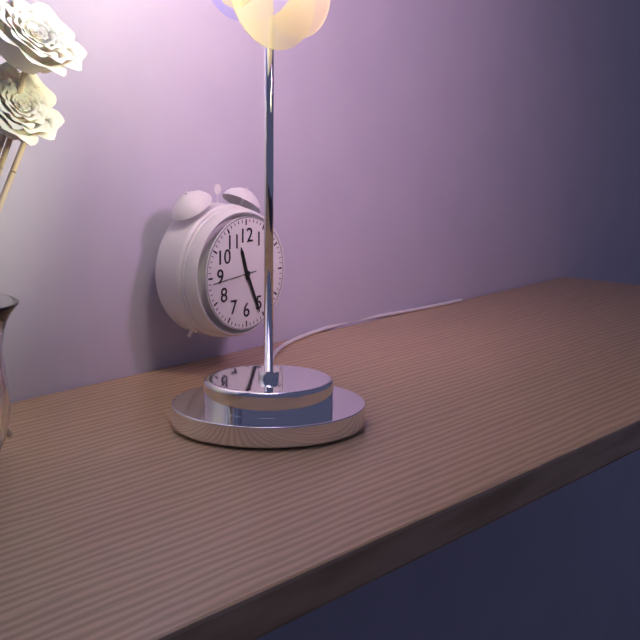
11:26
